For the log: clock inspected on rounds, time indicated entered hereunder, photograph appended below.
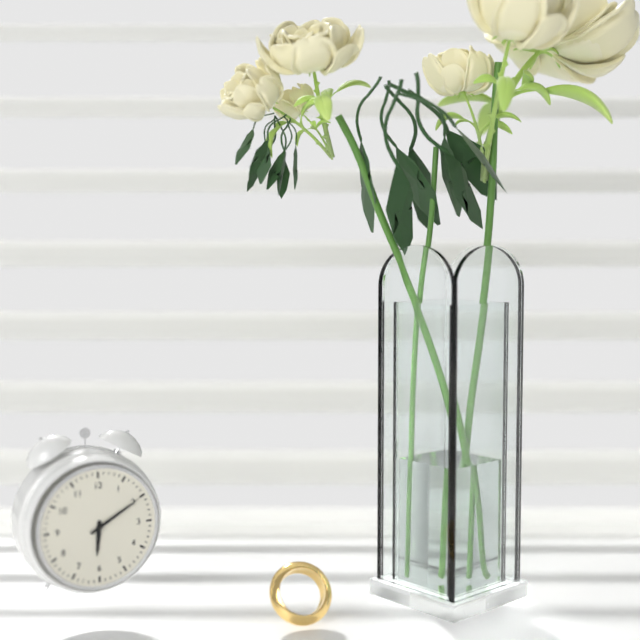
6:10
